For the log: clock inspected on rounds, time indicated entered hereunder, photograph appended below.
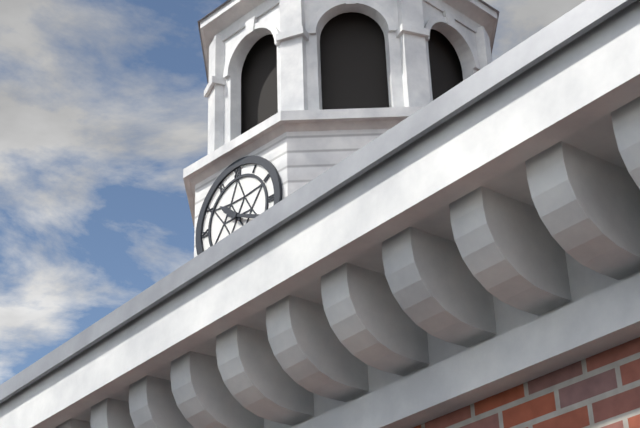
10:19
